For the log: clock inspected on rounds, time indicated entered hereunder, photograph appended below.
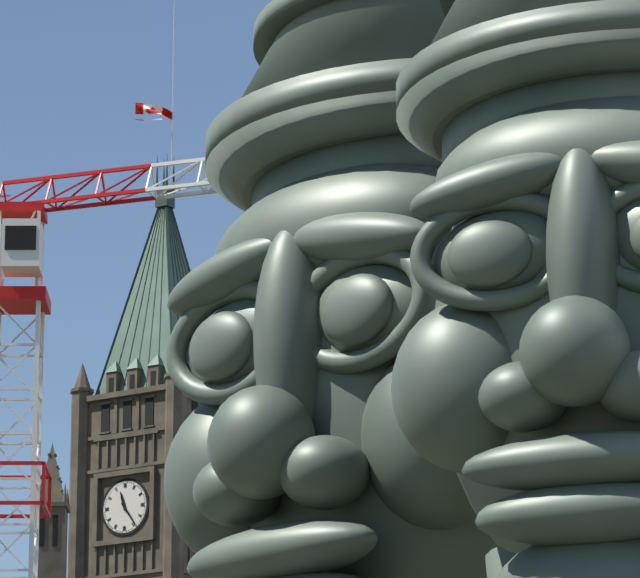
11:24
